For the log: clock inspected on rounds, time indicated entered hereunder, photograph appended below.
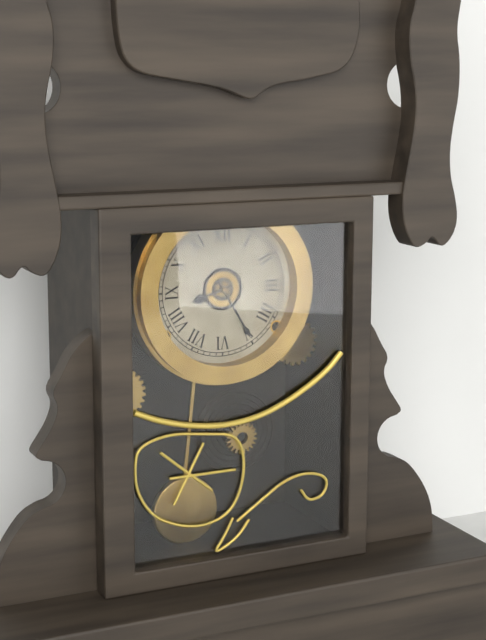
8:25
